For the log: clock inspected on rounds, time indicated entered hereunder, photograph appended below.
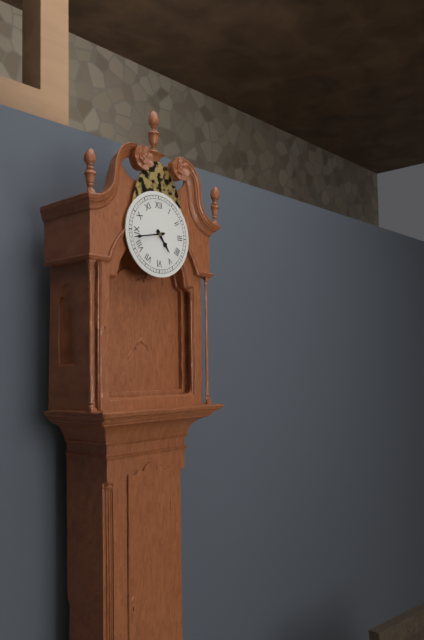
4:43
